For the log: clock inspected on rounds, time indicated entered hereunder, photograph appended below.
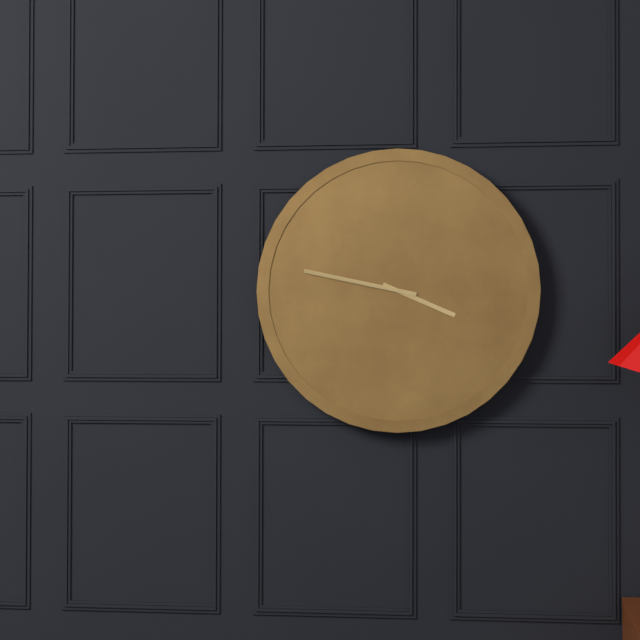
3:47
